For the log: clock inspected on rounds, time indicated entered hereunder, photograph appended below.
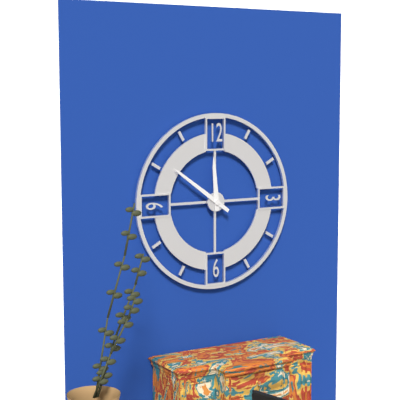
11:51
